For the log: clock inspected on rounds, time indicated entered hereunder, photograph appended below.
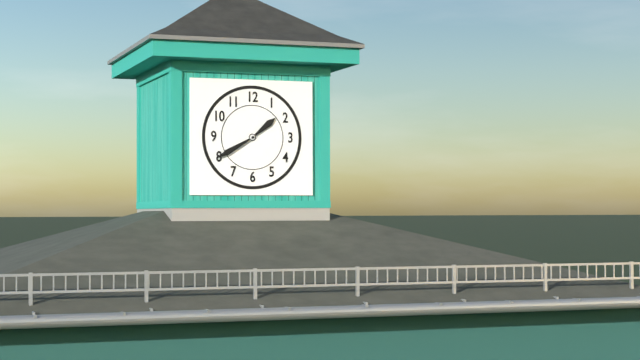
1:40
